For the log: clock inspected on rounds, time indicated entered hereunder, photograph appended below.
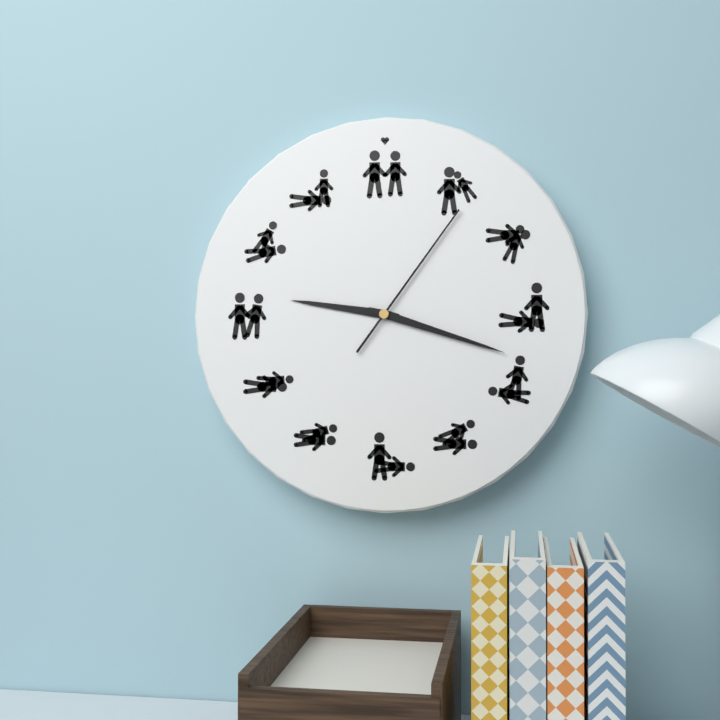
9:18:06
